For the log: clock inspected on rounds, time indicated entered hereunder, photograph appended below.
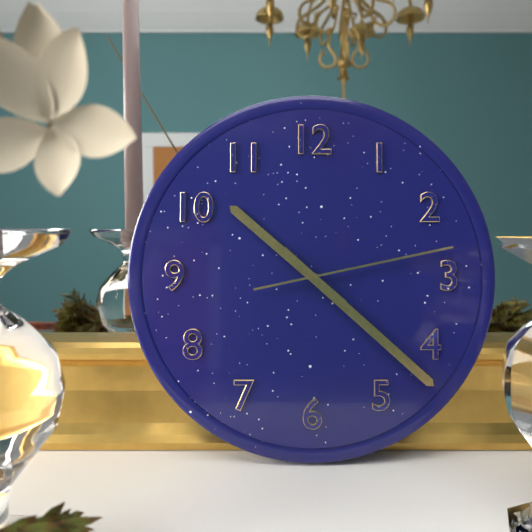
10:22:13
